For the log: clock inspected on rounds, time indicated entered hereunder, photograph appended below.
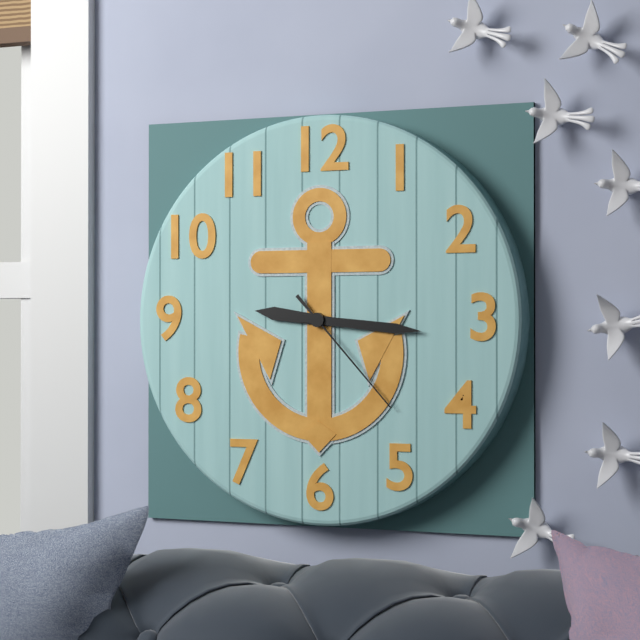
9:16:23
